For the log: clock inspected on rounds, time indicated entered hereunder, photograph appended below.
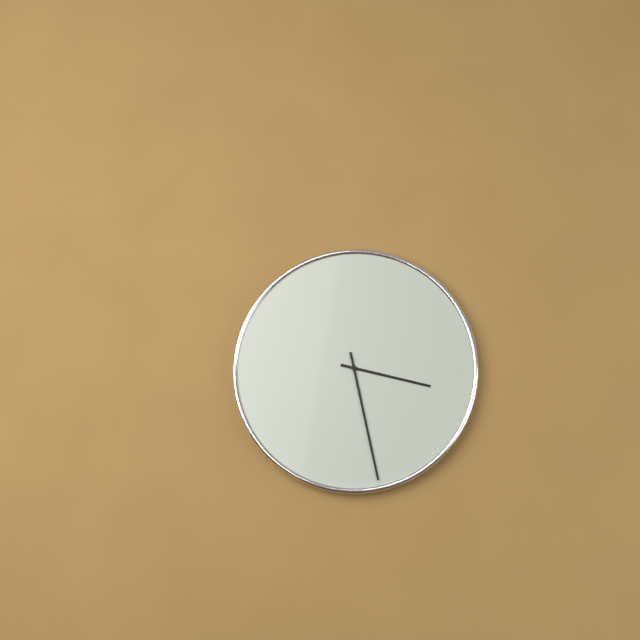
3:28
